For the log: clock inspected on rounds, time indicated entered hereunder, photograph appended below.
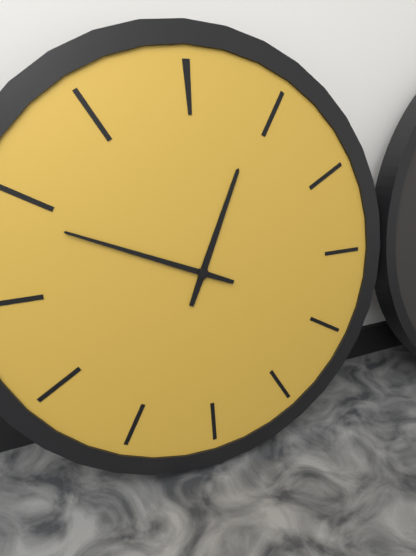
12:49
